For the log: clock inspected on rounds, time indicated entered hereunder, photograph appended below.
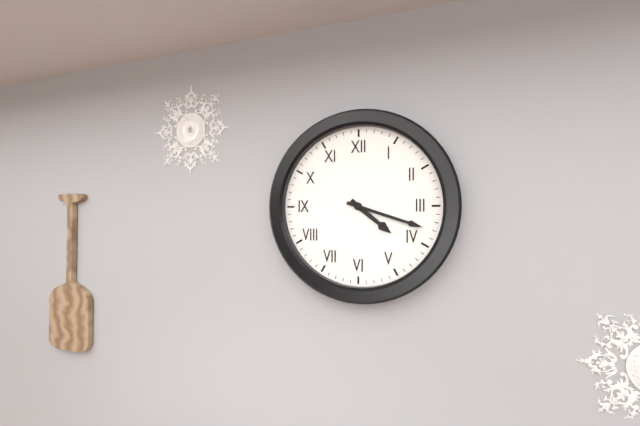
4:18
